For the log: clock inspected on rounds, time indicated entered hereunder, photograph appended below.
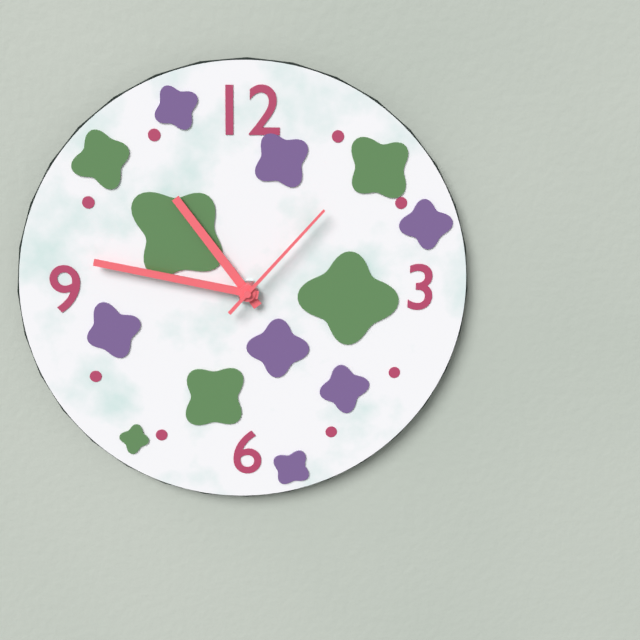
10:47:07
